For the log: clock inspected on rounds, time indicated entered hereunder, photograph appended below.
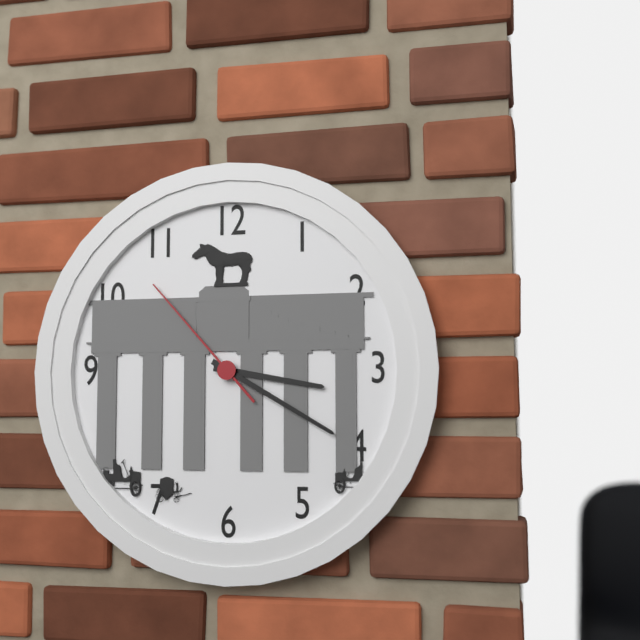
3:20:53
